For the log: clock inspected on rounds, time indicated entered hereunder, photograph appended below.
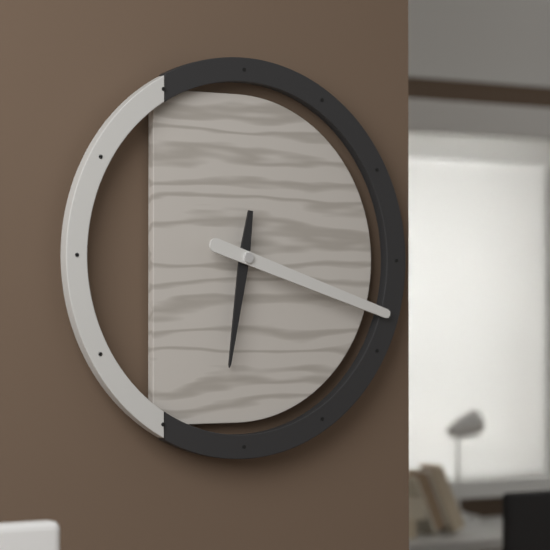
6:18
